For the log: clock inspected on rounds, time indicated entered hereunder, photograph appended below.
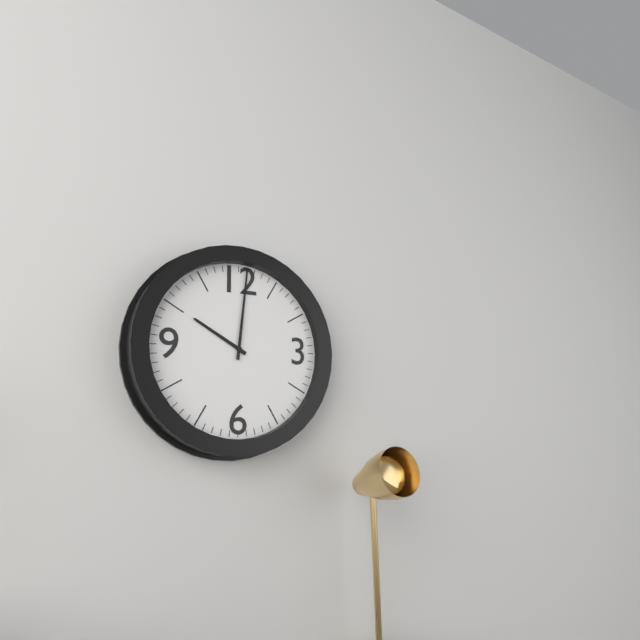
10:01
